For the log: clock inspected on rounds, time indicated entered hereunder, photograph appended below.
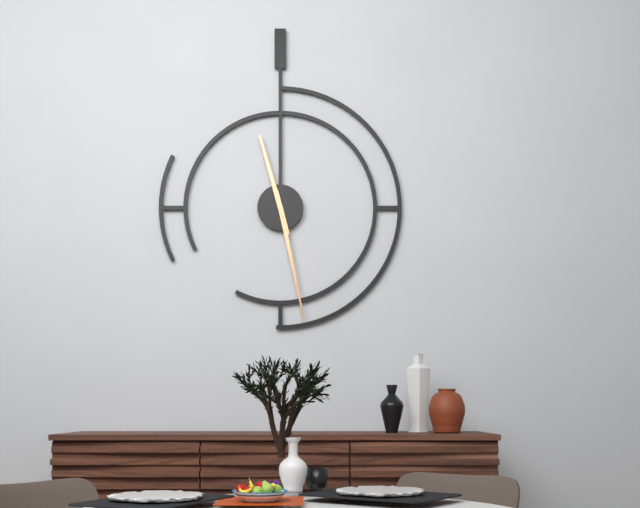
11:28
